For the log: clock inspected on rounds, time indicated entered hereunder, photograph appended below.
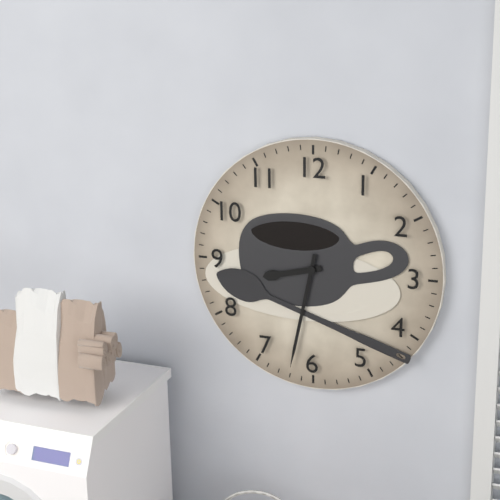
8:32
